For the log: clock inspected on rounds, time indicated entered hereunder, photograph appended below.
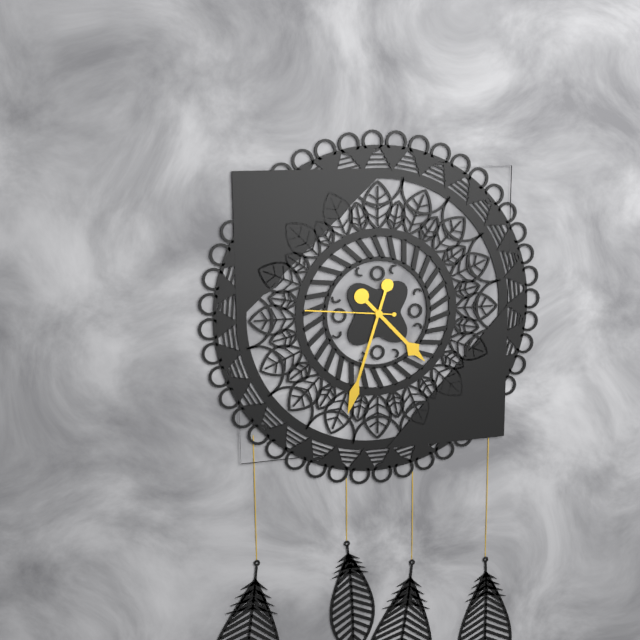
4:33:46
